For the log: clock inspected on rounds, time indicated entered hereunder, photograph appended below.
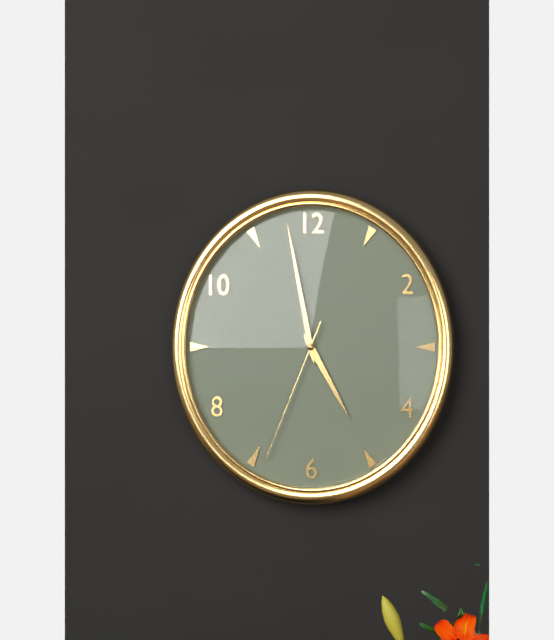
4:58:34
